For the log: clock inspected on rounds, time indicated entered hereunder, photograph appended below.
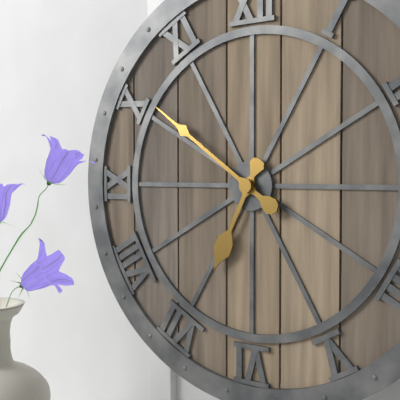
6:51
